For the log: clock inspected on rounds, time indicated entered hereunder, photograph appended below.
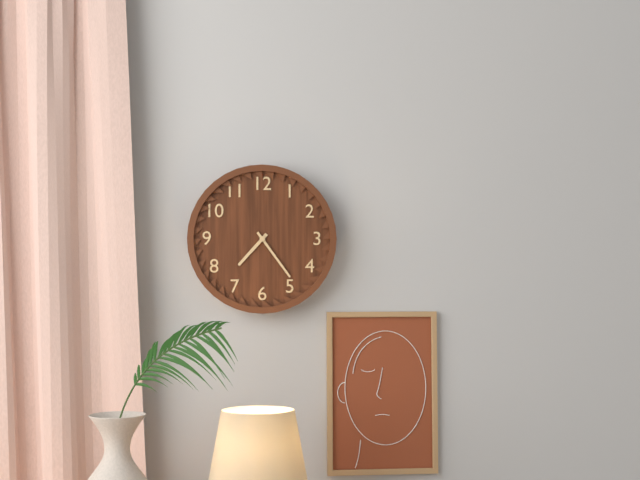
7:24
